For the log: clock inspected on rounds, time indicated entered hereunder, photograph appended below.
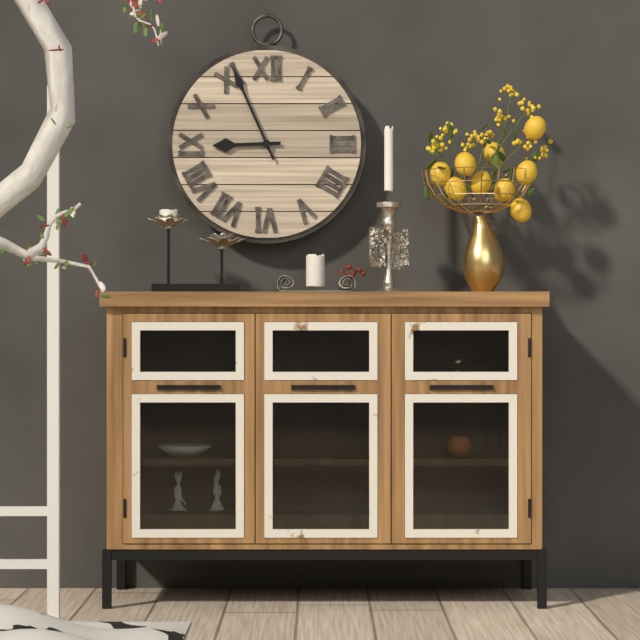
8:56
